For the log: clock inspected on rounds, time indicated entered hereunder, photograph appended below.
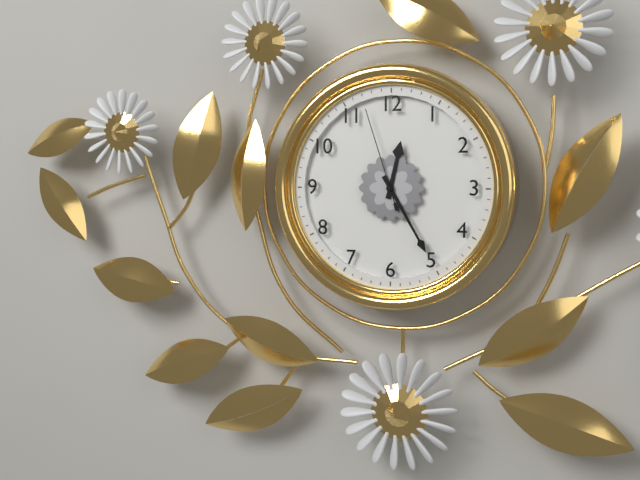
12:25:57
